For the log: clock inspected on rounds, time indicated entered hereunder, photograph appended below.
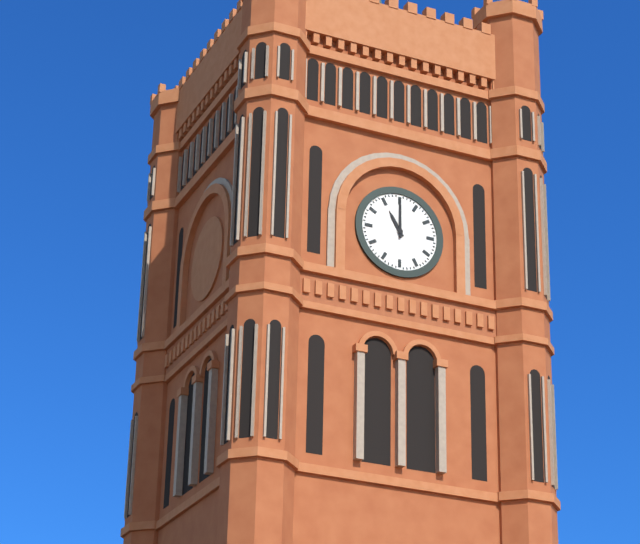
11:00
